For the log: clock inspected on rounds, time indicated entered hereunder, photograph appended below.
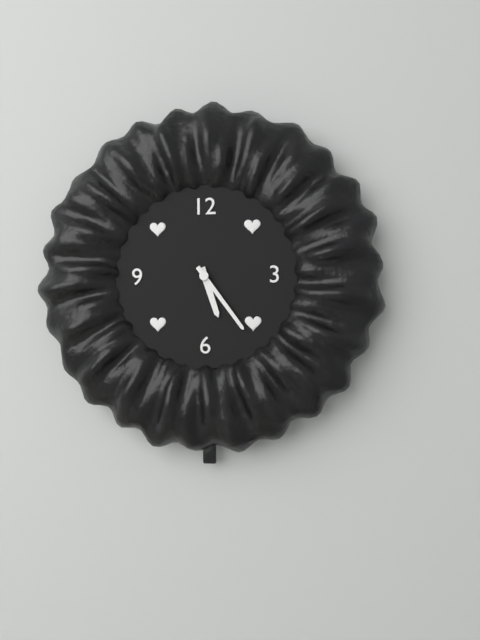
5:24
